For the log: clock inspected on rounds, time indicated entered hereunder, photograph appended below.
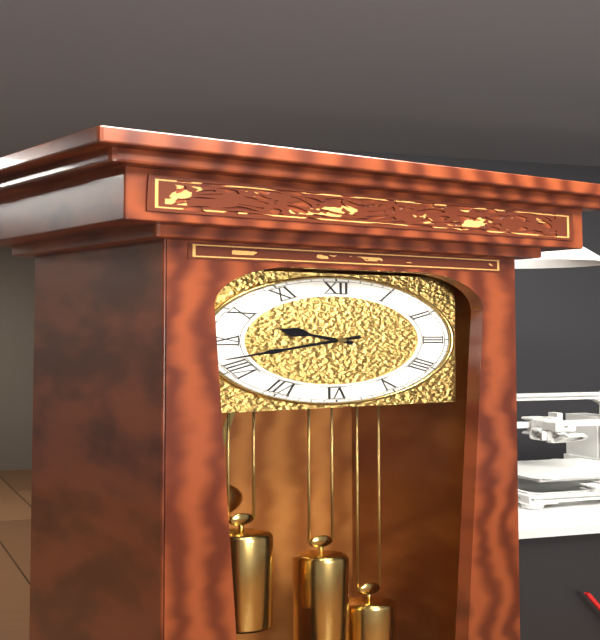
9:42
